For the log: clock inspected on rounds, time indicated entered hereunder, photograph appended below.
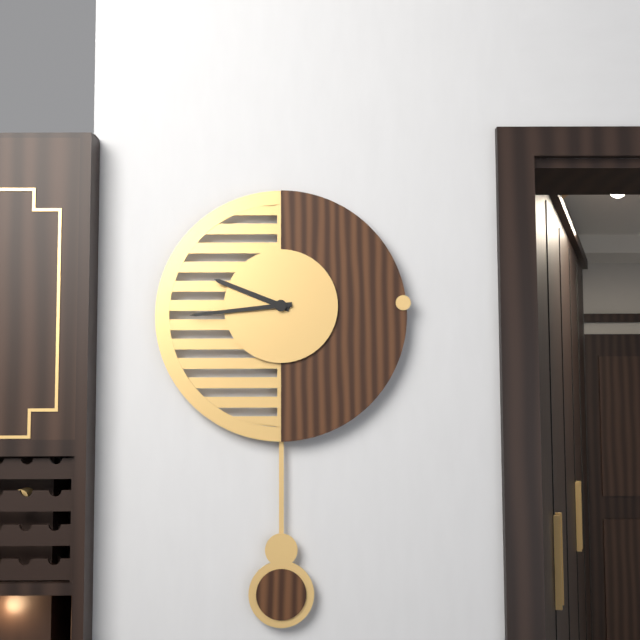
9:44
